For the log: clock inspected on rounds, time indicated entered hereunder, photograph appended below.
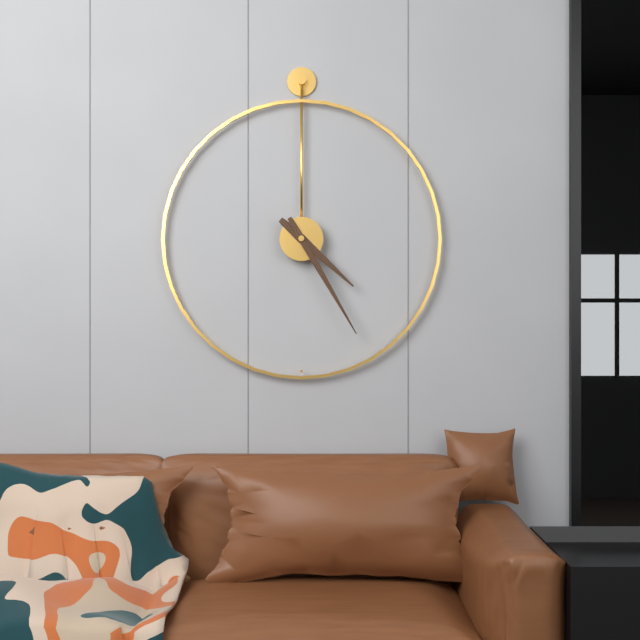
4:25
